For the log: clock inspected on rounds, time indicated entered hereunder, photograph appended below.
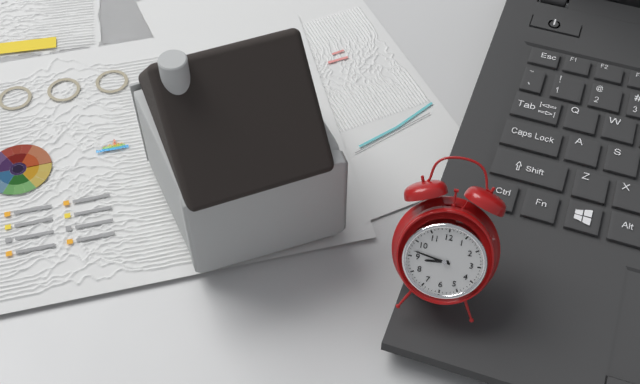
8:47
